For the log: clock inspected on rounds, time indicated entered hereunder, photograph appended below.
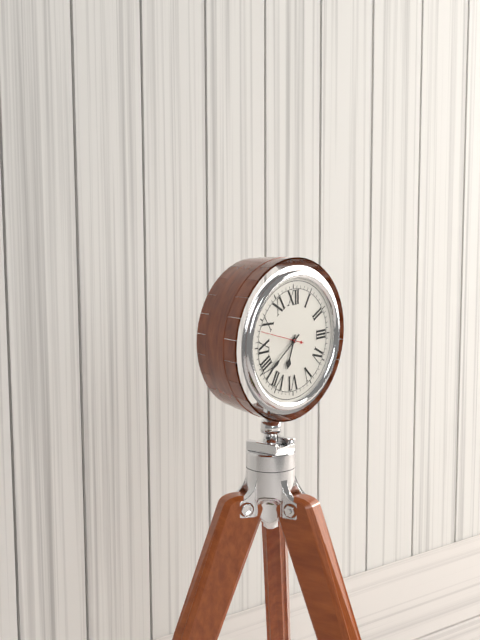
6:39
